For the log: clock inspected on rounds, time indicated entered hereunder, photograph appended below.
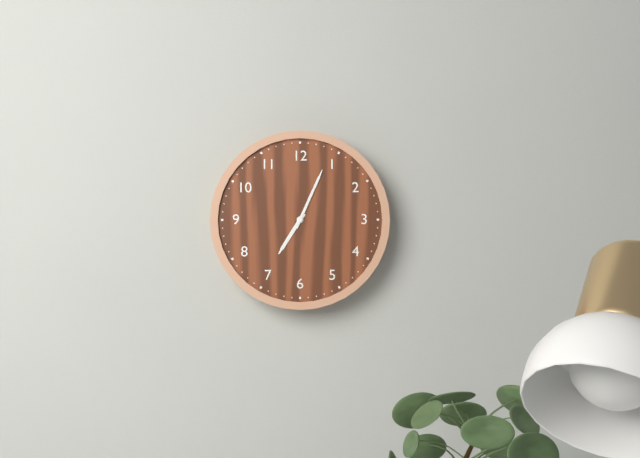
7:04
